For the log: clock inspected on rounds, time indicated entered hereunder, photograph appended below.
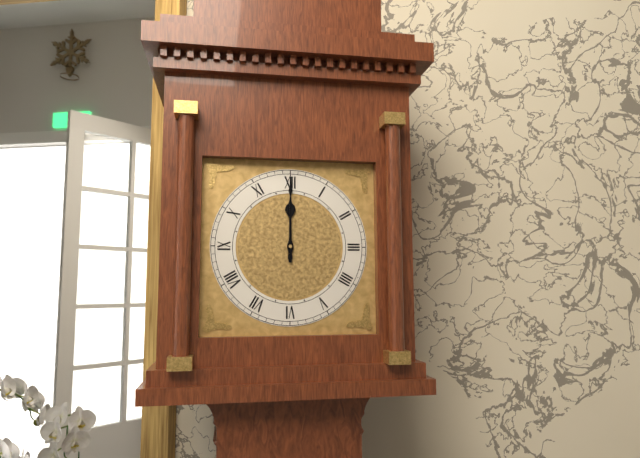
12:00
